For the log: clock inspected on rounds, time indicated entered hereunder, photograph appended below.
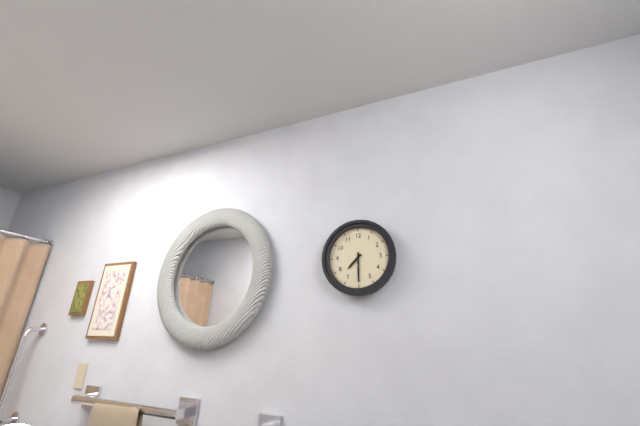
7:30
